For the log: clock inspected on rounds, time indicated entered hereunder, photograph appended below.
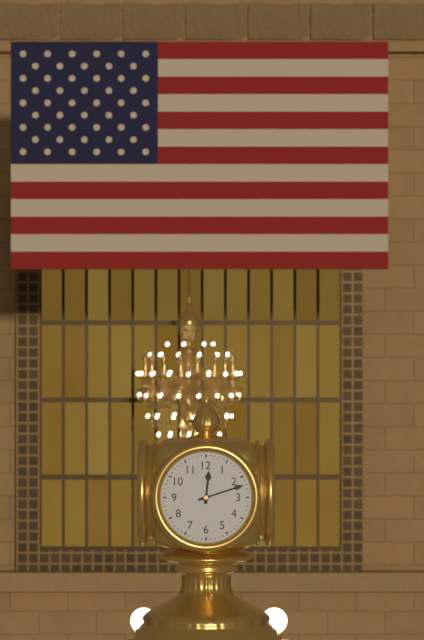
12:12
